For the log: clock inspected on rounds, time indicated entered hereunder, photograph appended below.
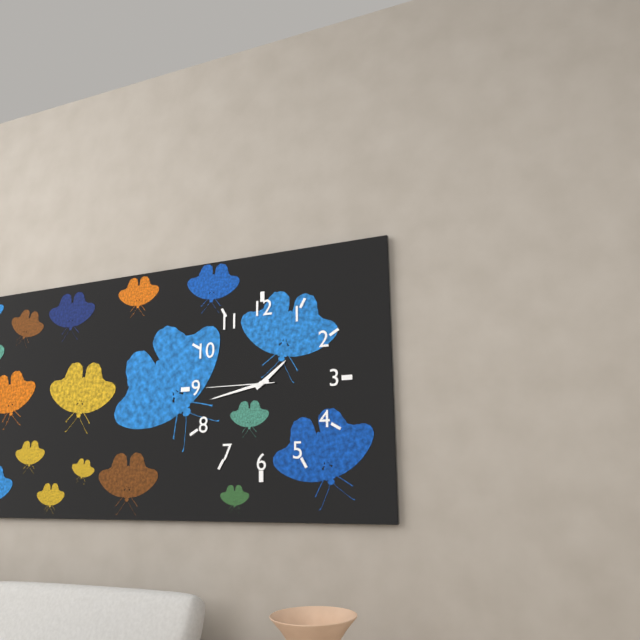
1:43:45
